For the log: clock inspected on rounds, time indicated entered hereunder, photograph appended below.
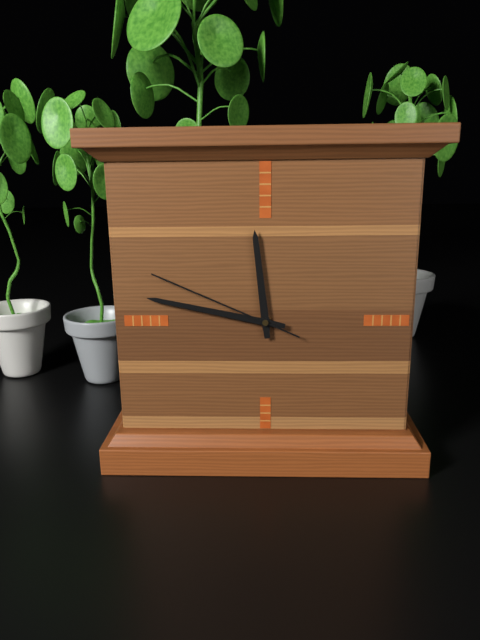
11:47:49
